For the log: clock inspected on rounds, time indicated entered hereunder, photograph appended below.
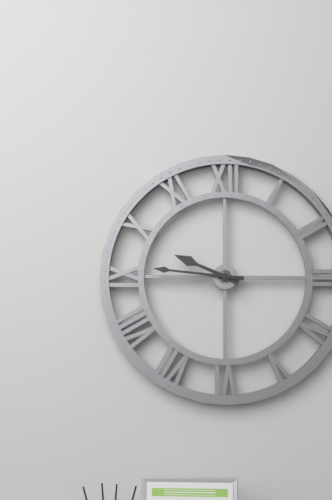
9:46
